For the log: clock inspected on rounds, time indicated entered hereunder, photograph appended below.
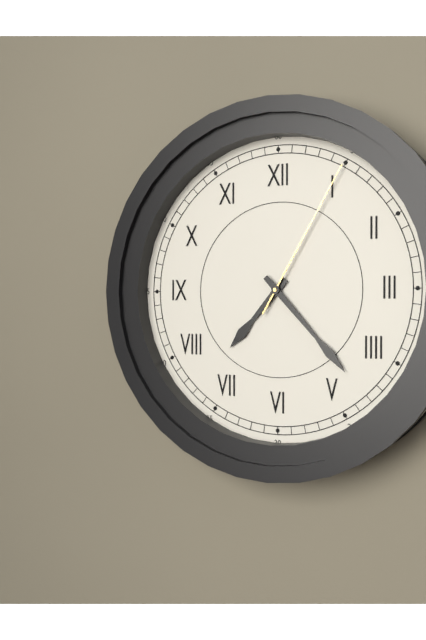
7:23:05
